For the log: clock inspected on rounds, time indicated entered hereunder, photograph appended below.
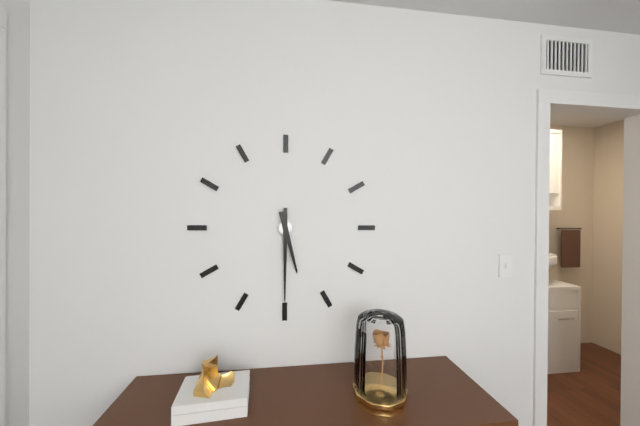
5:30
